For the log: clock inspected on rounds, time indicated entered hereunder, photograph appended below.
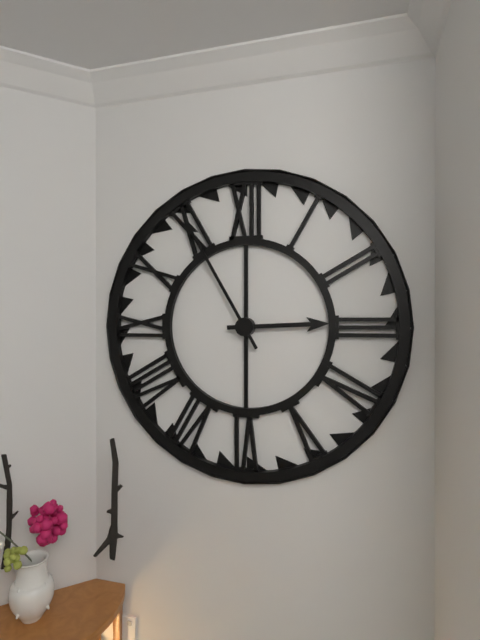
2:55
